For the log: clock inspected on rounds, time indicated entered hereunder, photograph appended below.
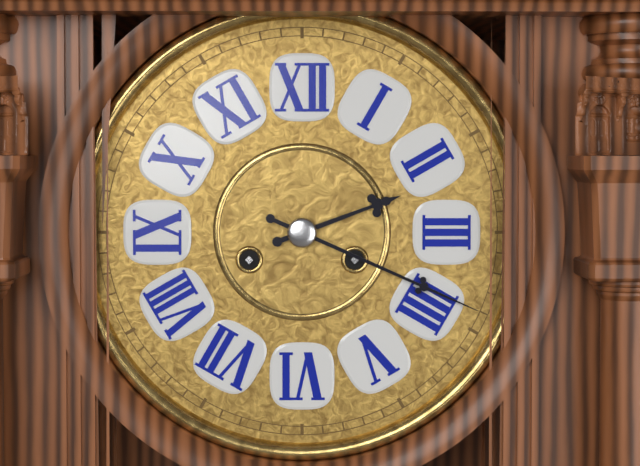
2:19
